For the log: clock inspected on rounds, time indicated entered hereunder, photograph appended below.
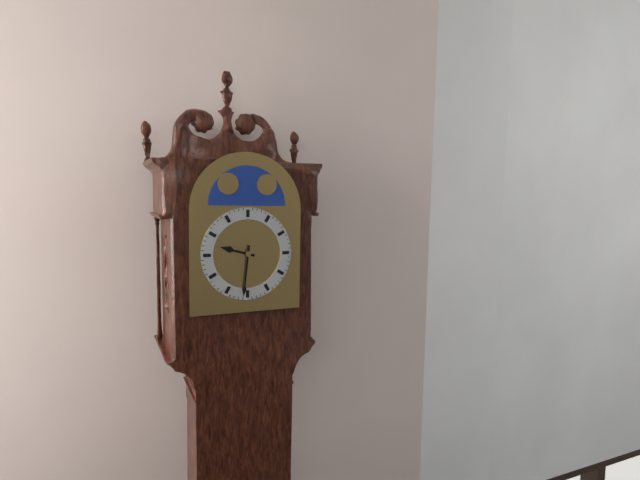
9:31
